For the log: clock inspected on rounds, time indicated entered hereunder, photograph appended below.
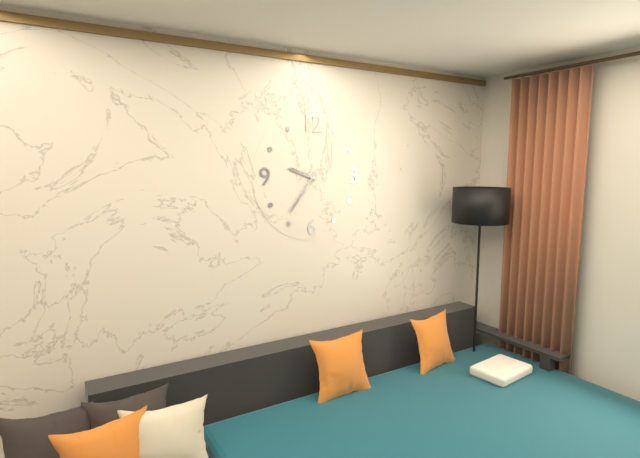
9:36
